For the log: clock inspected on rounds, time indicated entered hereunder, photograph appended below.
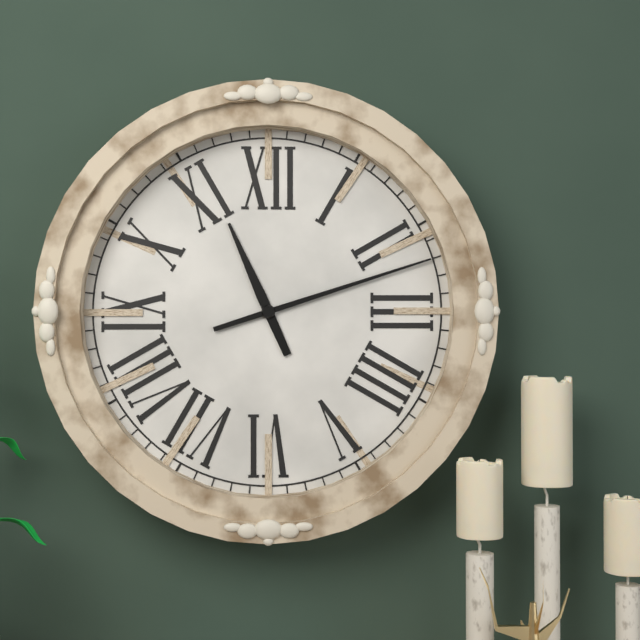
11:12
